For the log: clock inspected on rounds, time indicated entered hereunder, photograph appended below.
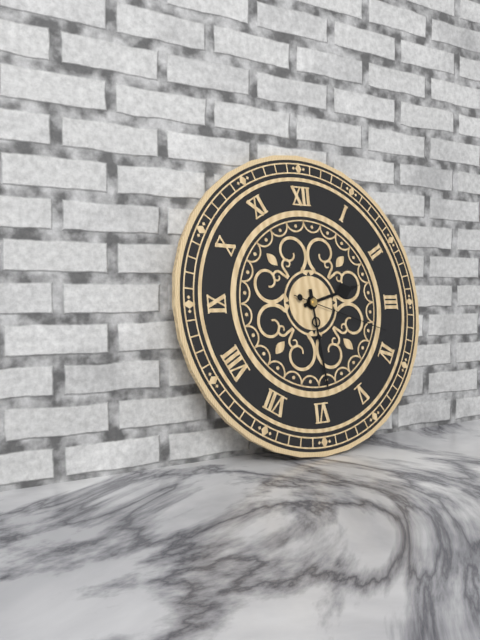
2:29:18
